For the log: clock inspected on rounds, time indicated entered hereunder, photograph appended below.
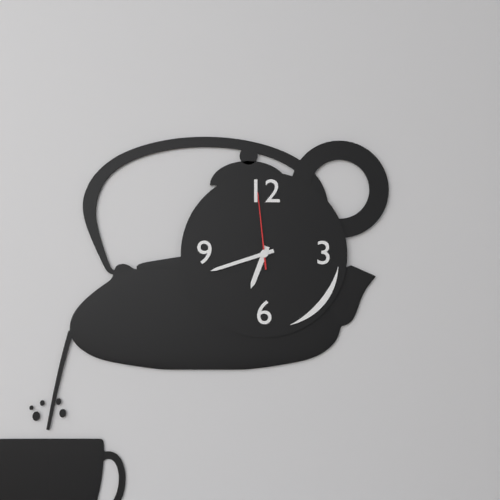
6:42:59
